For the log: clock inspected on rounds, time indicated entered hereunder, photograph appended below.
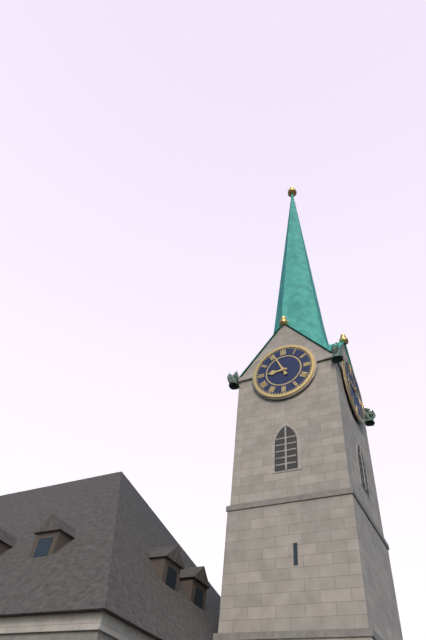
8:56
